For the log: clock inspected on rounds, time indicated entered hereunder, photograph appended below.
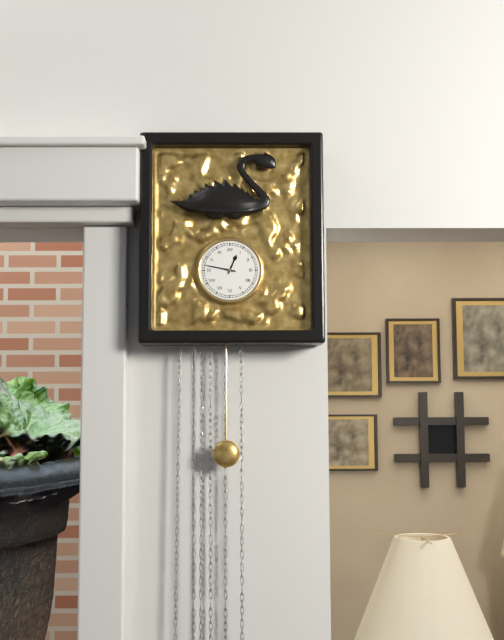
12:47
